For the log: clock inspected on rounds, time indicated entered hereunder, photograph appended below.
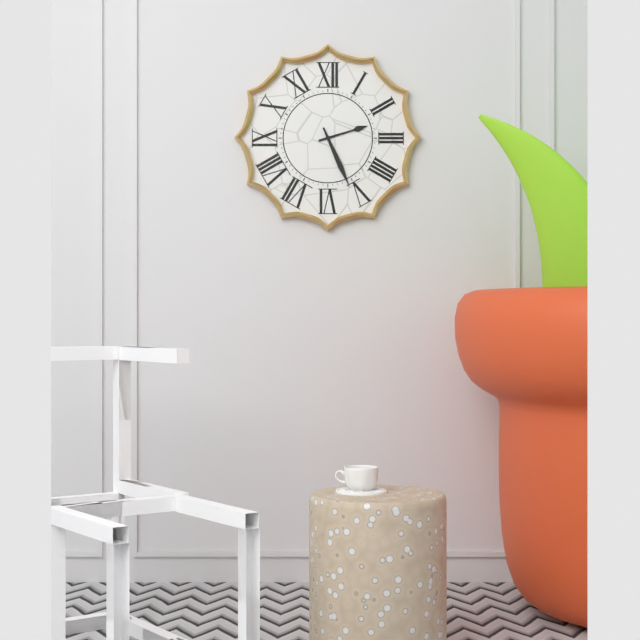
2:26
